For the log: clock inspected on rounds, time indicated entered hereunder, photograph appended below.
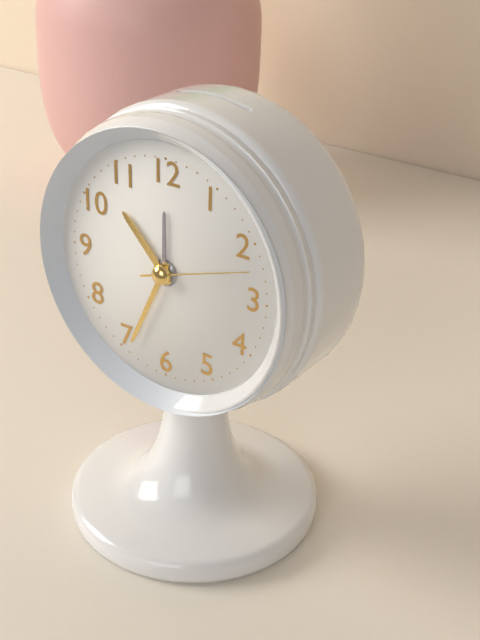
10:34:12
